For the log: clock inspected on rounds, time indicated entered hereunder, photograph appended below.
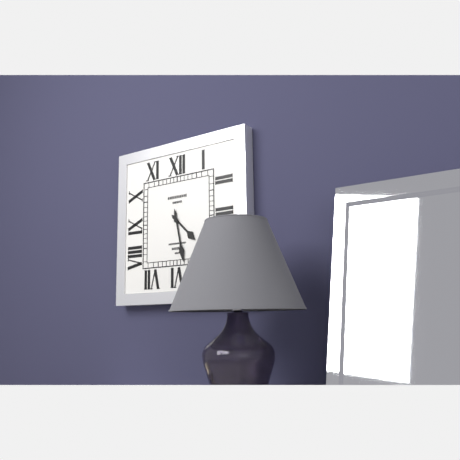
4:28
